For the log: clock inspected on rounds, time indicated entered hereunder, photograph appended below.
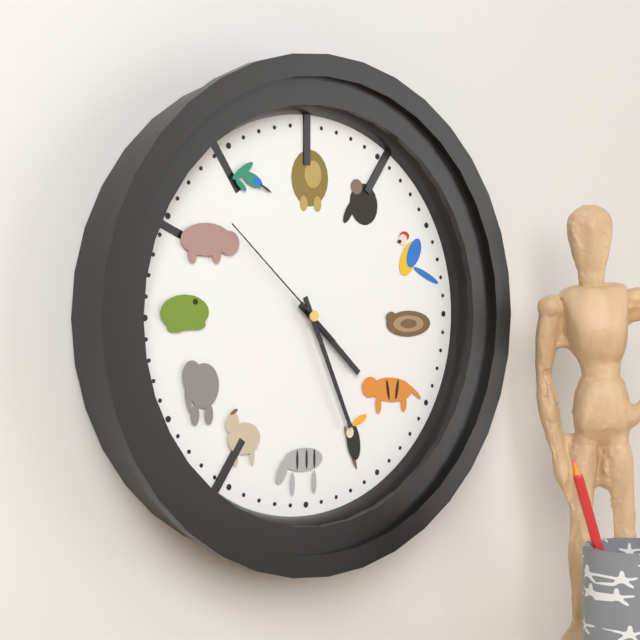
4:26:52
